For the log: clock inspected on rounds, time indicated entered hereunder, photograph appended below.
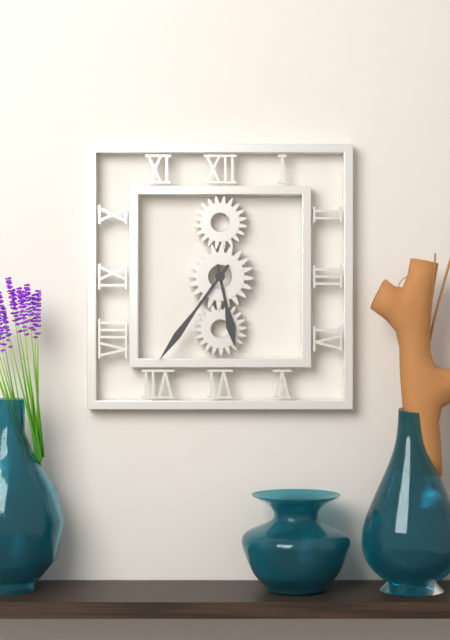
5:36
